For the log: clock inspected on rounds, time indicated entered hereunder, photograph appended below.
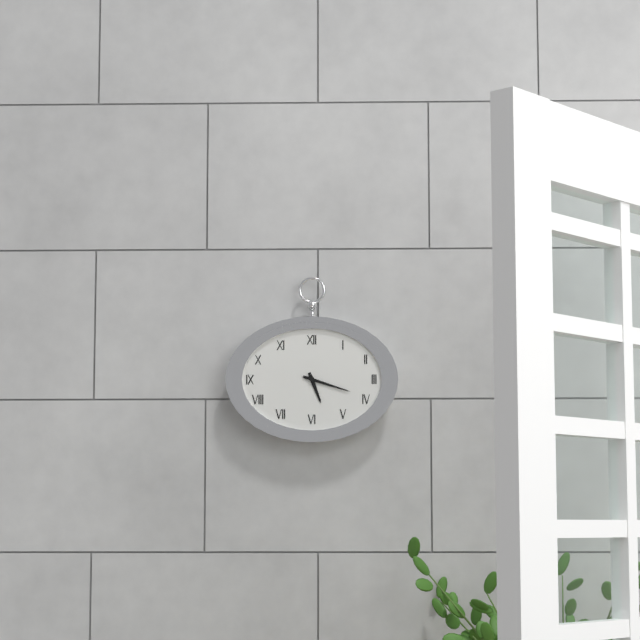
5:18
